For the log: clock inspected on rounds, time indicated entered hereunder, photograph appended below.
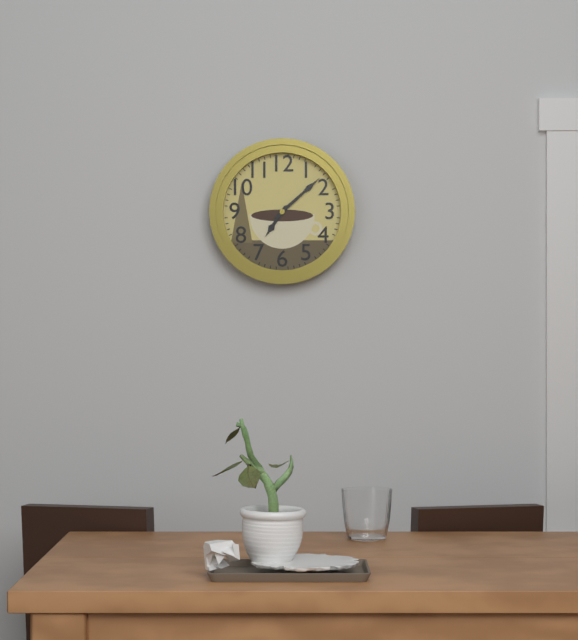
7:08
